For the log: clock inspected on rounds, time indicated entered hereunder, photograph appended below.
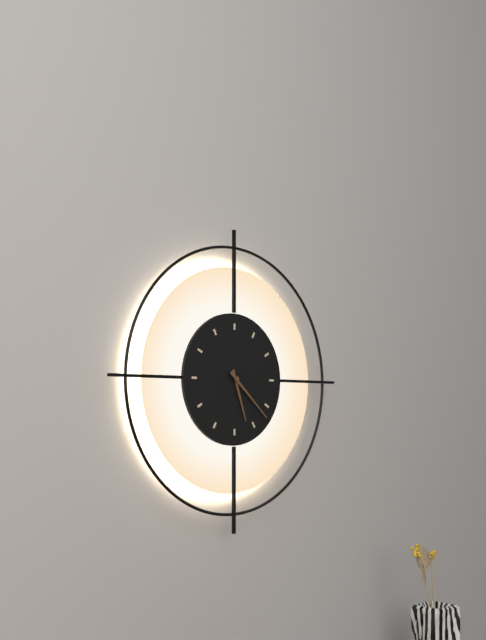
5:22
